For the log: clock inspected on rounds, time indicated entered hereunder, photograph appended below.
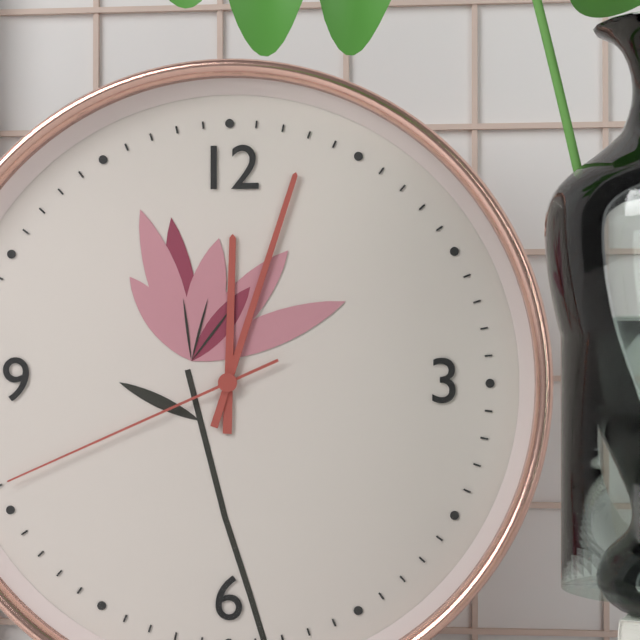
12:03:41
